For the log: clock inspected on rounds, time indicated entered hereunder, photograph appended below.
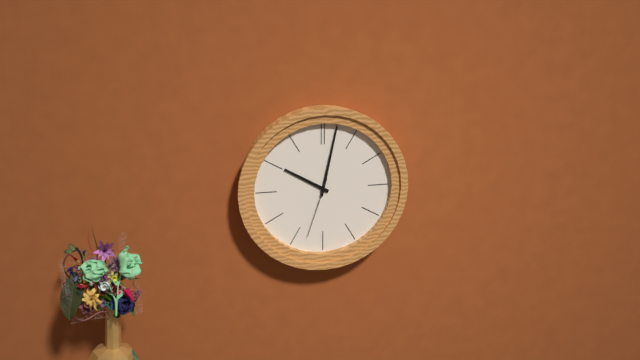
10:02:33
